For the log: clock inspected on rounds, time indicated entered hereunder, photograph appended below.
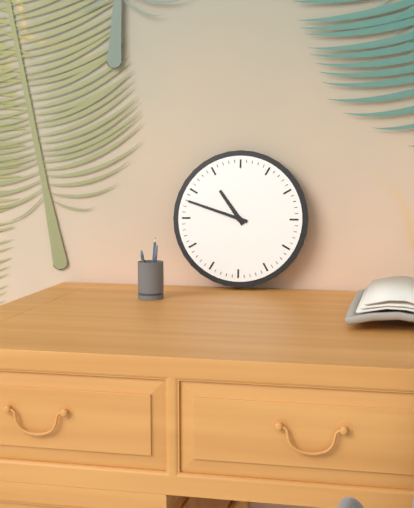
10:48
